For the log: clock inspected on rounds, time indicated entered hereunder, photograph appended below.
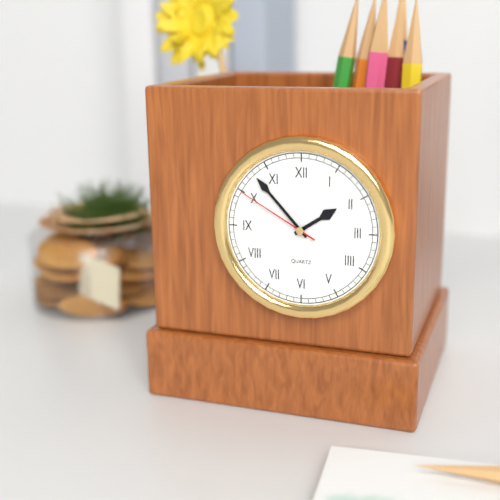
1:53:50
